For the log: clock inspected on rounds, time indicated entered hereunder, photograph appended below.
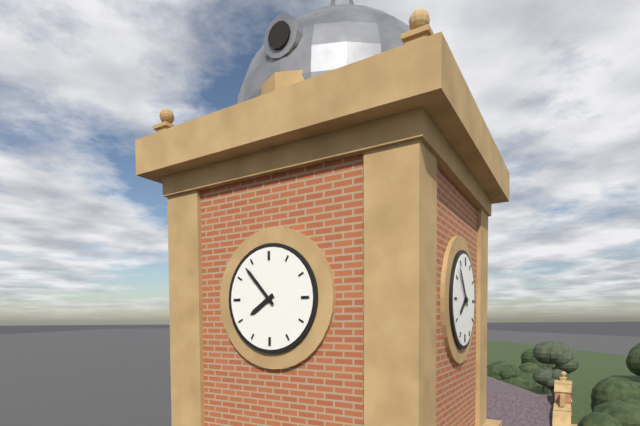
7:53
